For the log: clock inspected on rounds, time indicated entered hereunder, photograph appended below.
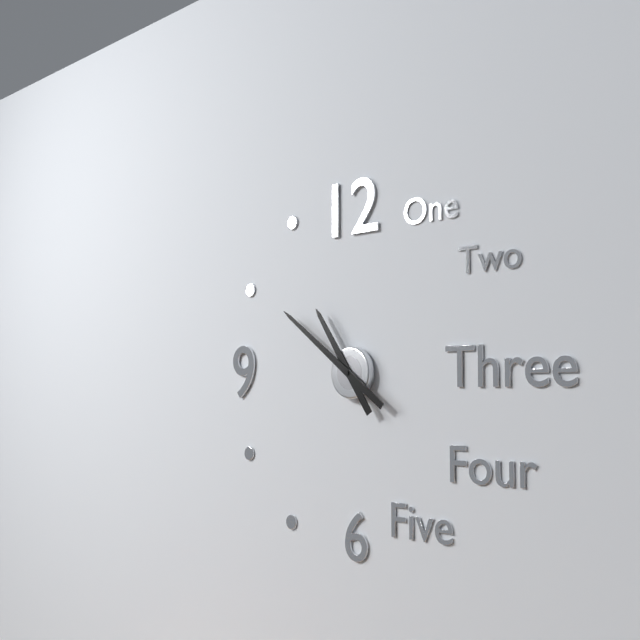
10:51
